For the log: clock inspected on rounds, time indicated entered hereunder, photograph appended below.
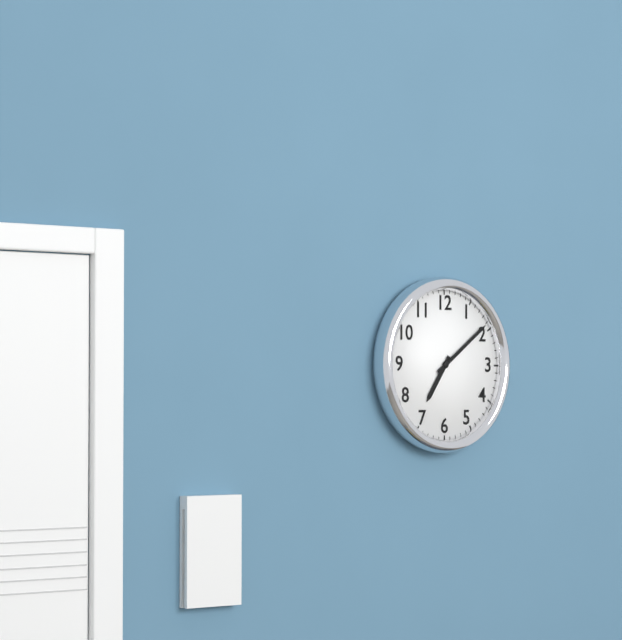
7:09
